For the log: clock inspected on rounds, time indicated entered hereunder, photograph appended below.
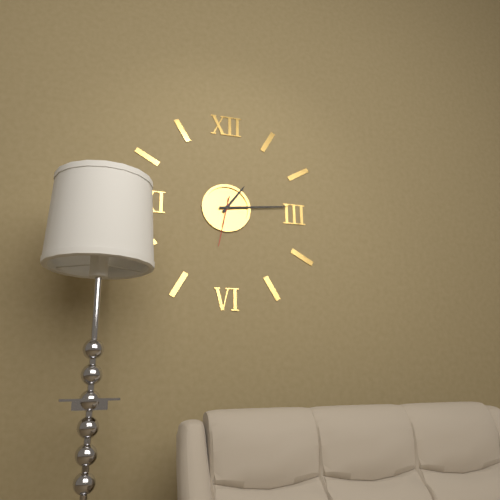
1:14
